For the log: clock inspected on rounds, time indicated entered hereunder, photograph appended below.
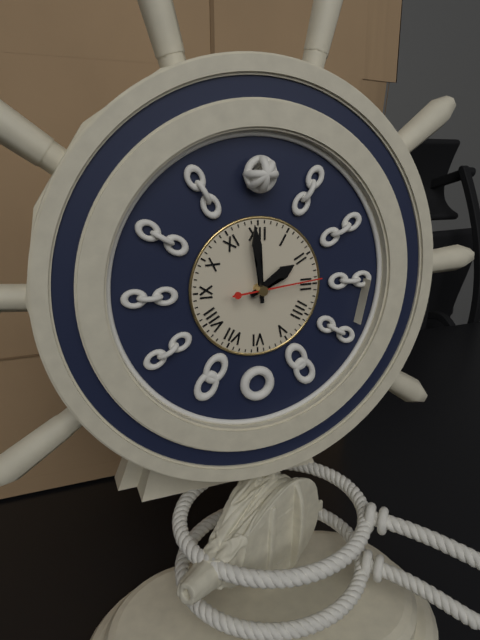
1:59:14
